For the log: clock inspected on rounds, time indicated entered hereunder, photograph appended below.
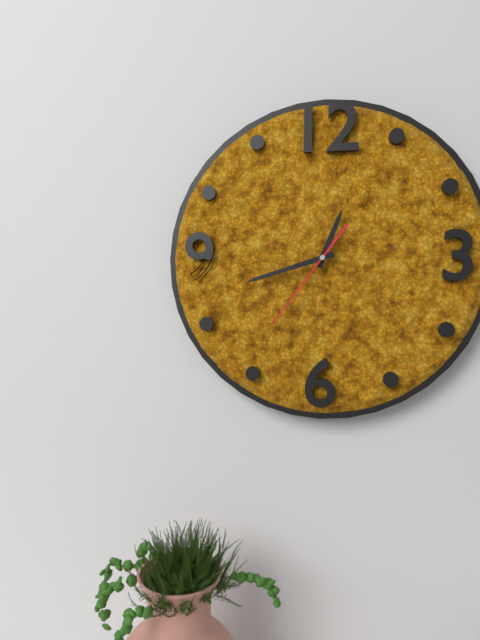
12:42:36
